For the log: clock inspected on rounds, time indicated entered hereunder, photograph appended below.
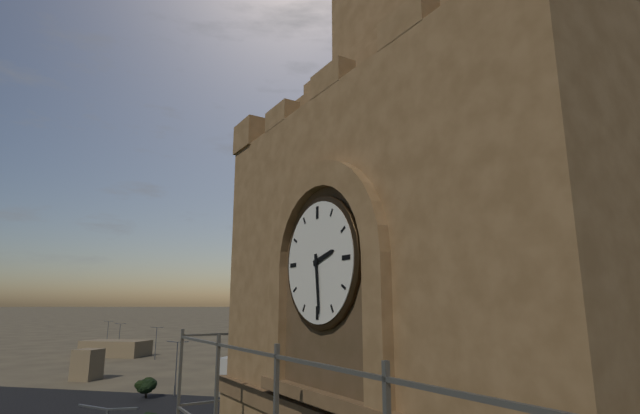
2:29
